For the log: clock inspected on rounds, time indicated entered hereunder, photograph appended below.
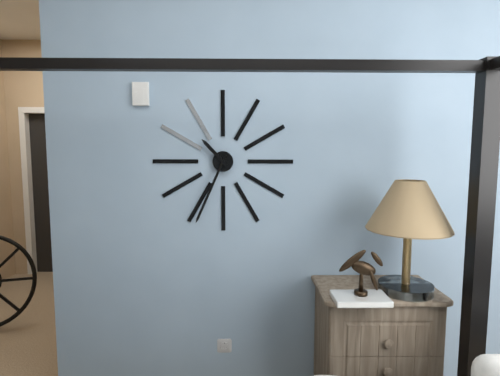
10:34
